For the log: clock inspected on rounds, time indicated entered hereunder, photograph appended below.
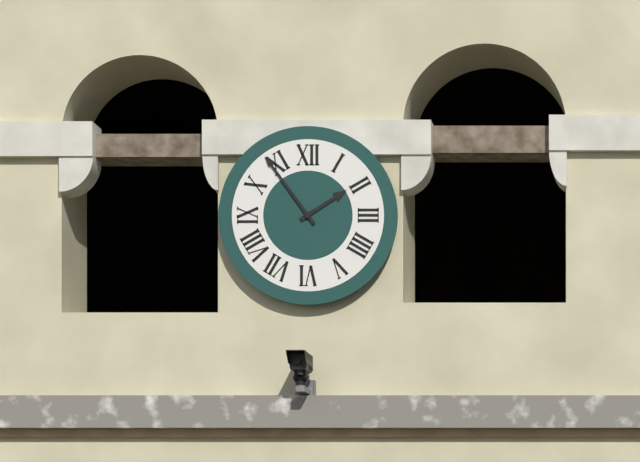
1:54
